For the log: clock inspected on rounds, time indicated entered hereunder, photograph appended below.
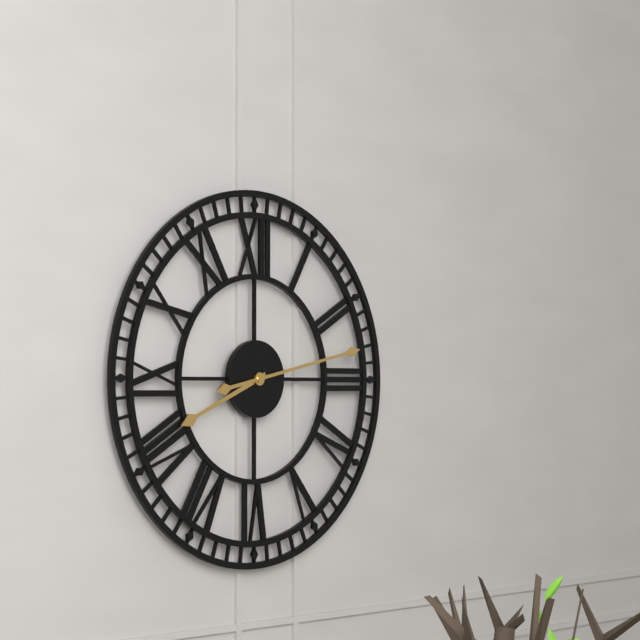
8:13
